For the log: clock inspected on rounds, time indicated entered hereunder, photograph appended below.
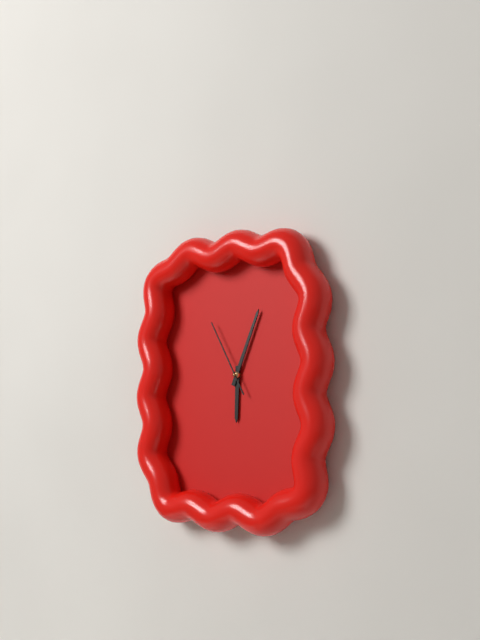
6:04:55
